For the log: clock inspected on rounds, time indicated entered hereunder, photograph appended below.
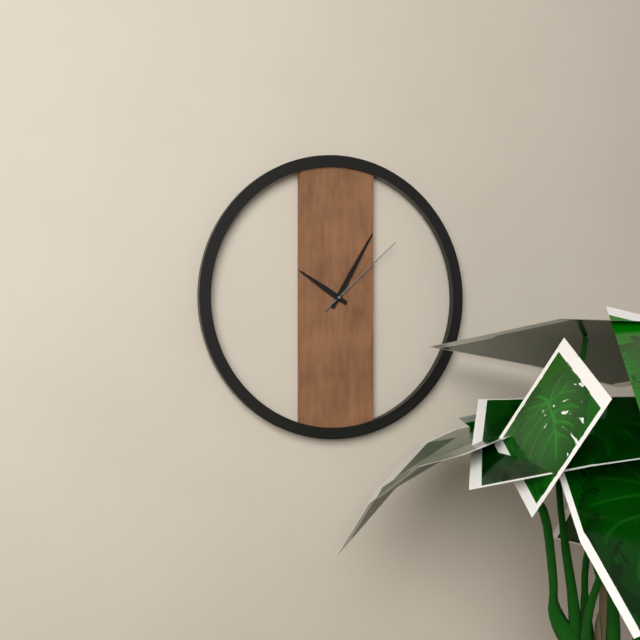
10:05:08
